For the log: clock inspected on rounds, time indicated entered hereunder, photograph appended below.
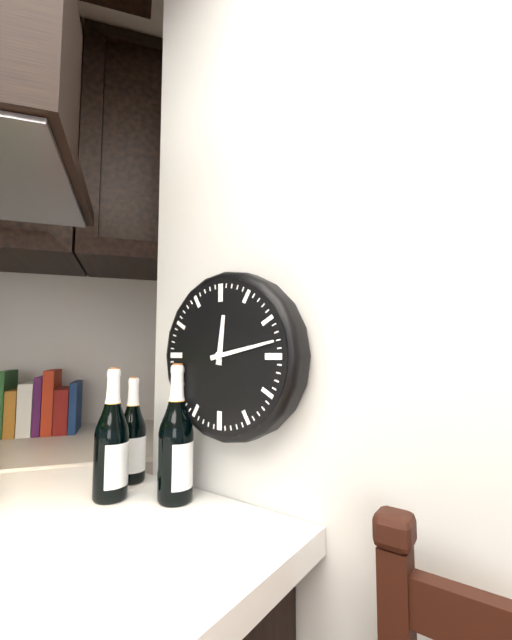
12:13
